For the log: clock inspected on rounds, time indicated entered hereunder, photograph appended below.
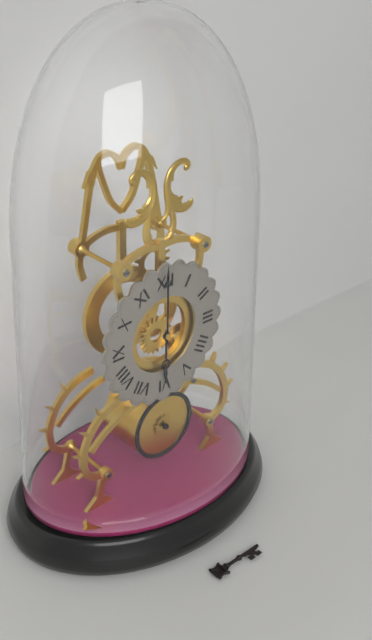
6:00
